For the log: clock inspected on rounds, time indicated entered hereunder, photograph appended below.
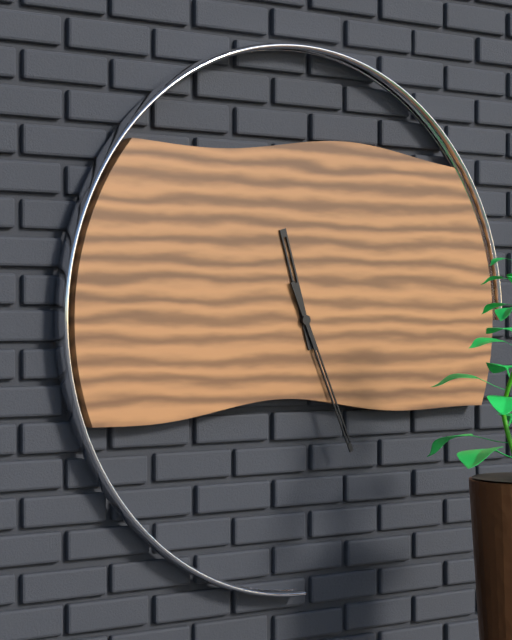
11:26
